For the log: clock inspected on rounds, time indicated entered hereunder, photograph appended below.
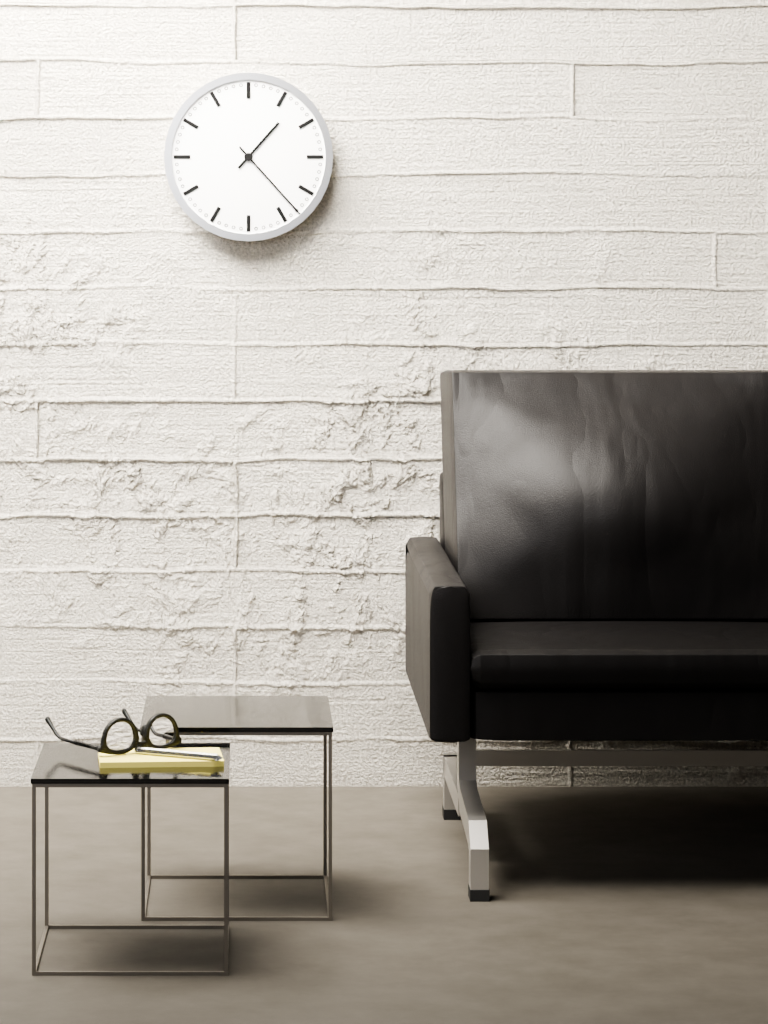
1:23
